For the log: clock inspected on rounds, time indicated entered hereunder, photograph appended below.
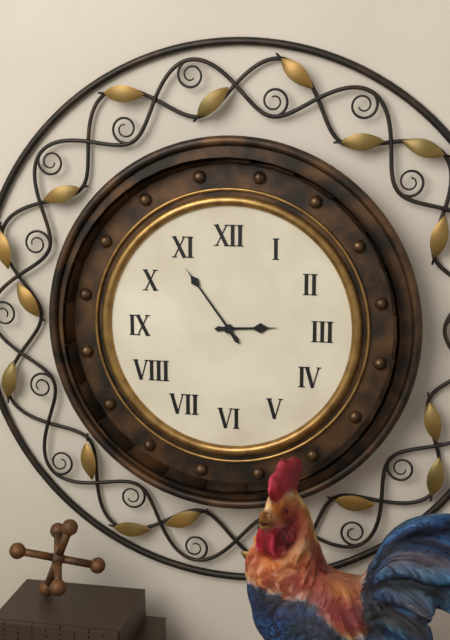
2:54
